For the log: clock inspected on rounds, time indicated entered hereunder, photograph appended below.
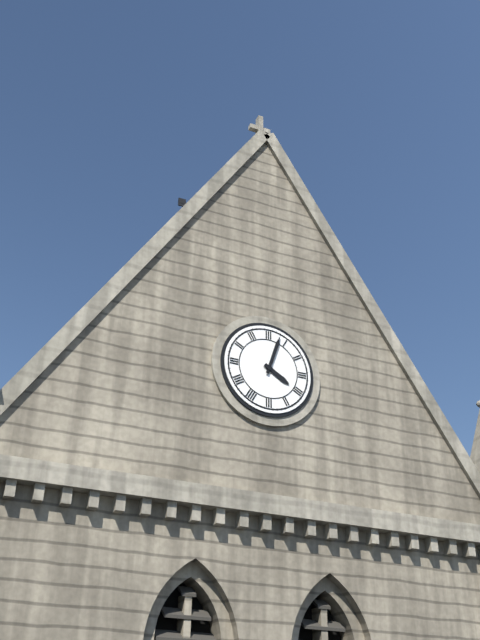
4:03
